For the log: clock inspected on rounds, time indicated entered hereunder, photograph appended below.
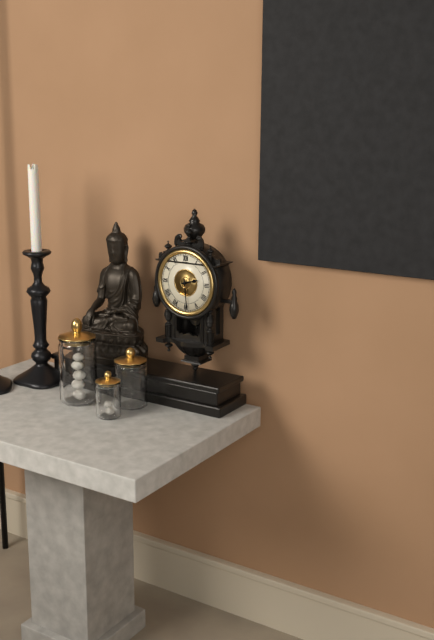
2:29
